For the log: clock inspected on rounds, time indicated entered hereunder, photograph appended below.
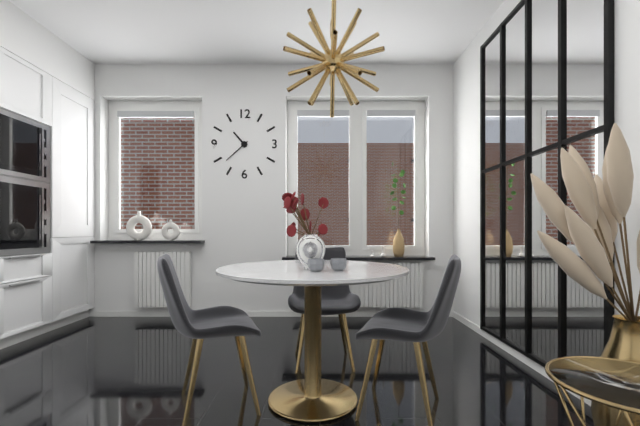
10:38
